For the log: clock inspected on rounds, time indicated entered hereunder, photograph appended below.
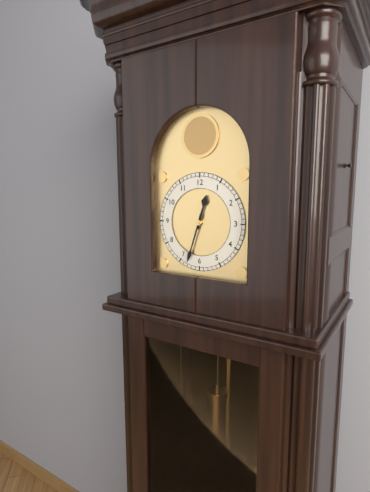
12:33
